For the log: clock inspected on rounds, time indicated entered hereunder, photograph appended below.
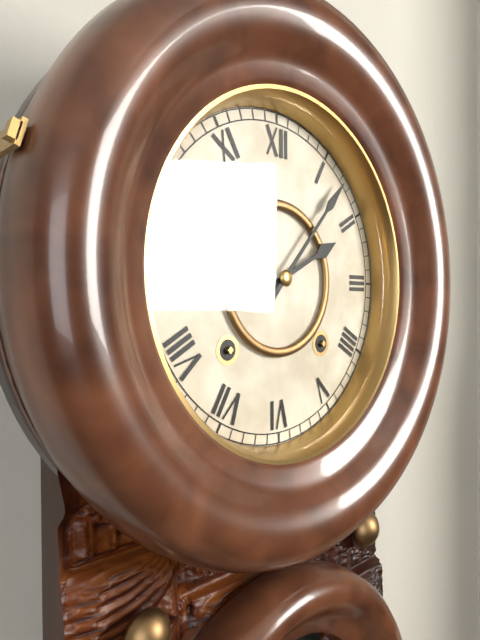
2:07
